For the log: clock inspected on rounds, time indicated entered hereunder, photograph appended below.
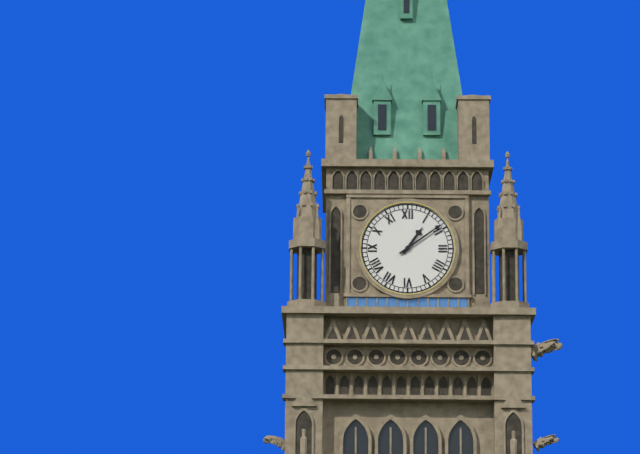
1:09
